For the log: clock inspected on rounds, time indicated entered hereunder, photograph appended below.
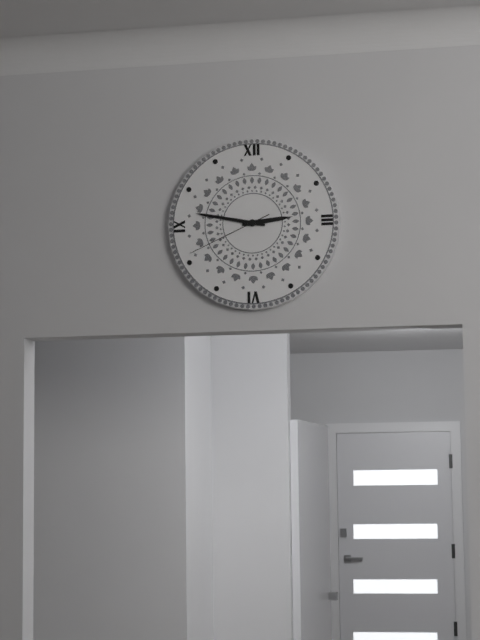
2:47:41
